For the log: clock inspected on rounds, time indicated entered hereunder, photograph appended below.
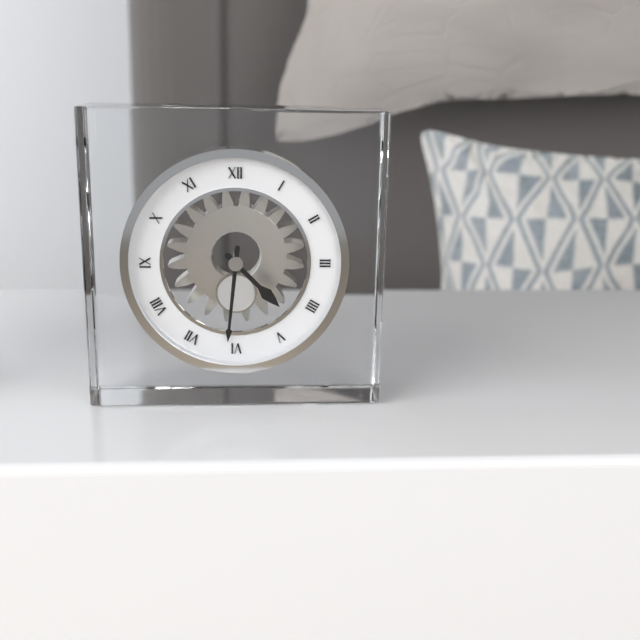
4:31
